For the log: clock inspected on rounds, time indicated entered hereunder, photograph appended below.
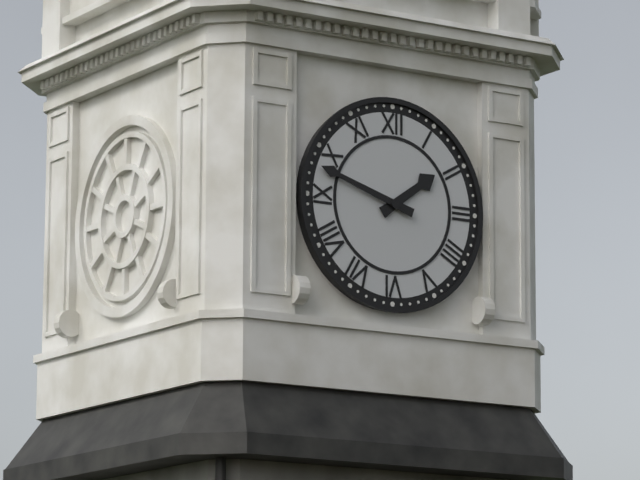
1:48
